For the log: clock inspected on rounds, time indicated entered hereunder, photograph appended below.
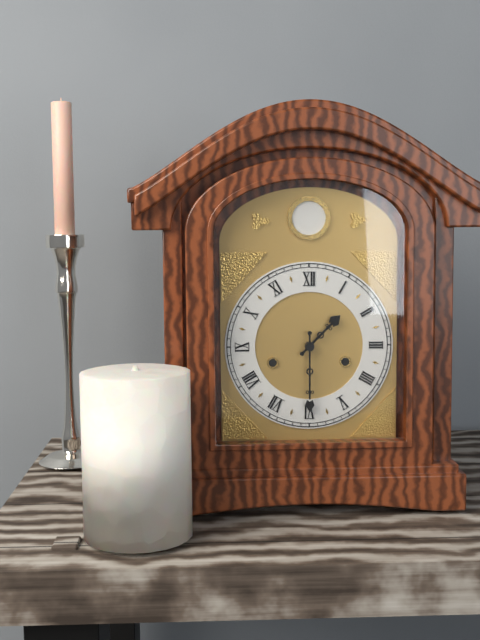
1:30
